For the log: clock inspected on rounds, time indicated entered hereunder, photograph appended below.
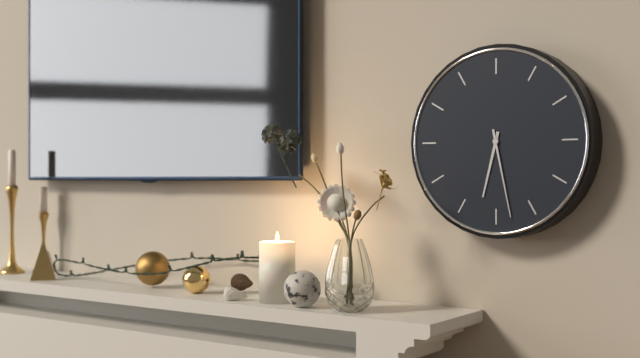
6:28
